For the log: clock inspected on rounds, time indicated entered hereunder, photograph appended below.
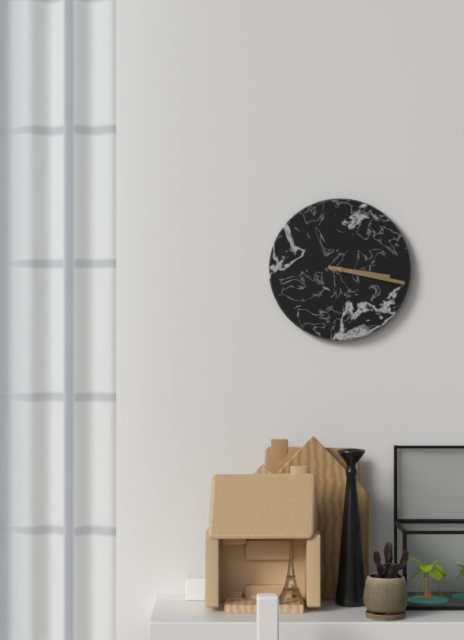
3:17
